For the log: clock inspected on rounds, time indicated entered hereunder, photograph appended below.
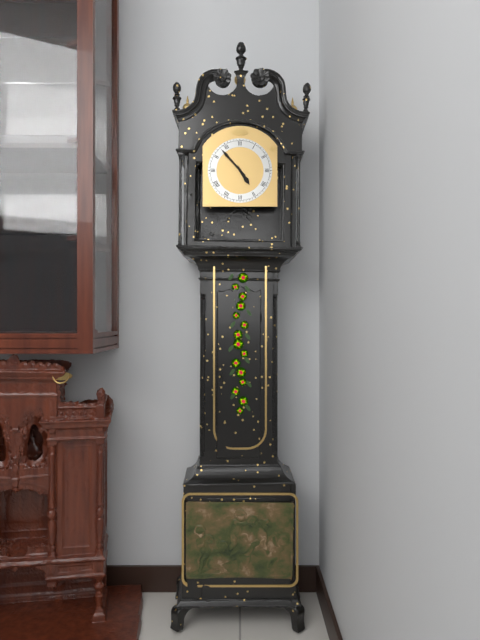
4:53
